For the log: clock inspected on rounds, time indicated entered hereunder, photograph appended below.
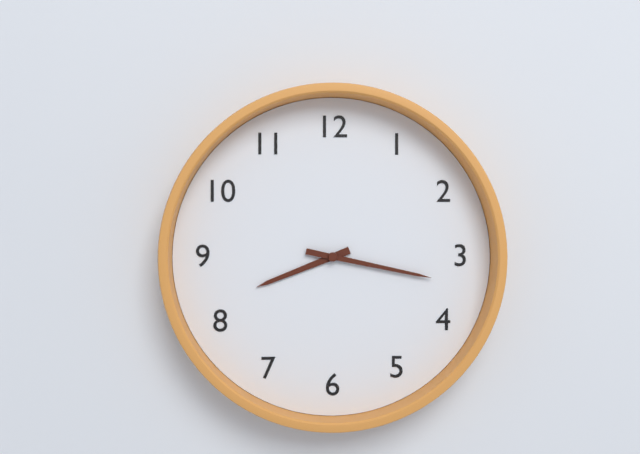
8:17
